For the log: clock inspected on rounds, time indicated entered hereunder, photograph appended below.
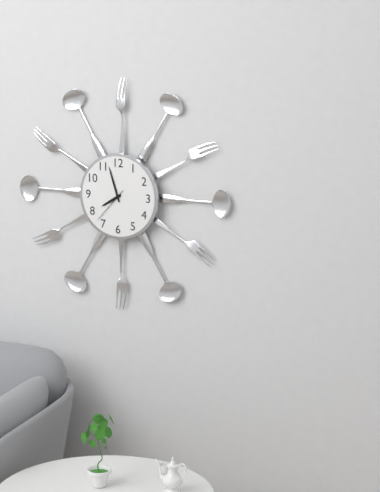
7:57
